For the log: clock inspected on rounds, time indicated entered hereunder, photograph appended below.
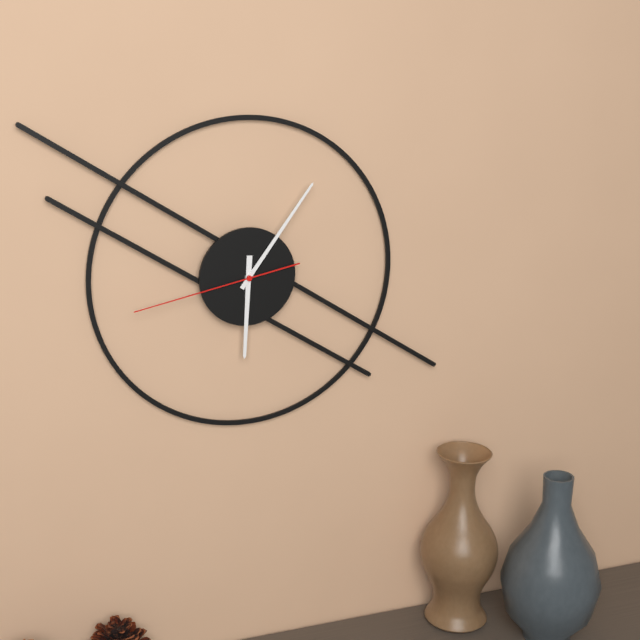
6:06:43
